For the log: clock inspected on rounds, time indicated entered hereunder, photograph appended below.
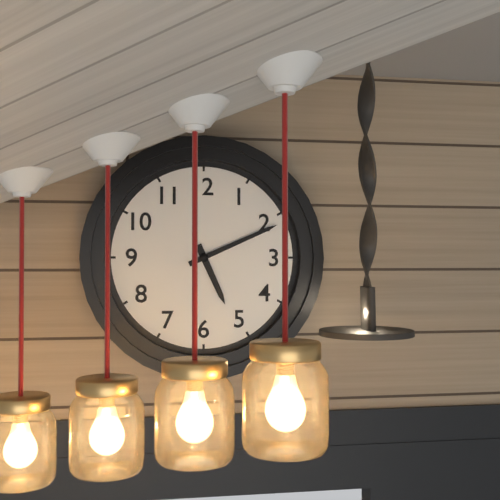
5:11
